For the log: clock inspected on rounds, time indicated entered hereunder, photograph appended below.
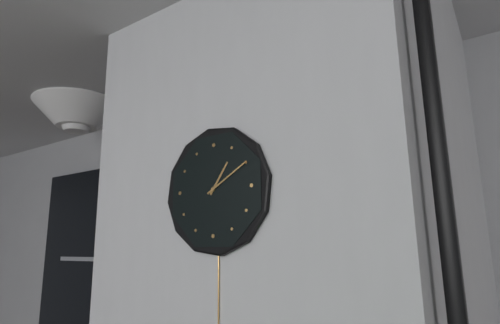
1:10
